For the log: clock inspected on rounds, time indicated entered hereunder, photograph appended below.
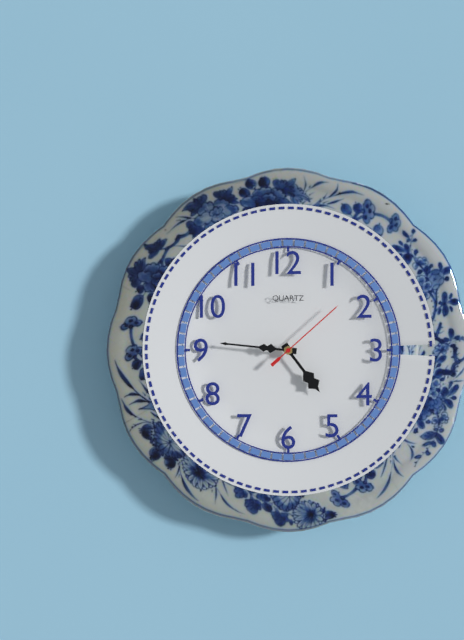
4:46:08
